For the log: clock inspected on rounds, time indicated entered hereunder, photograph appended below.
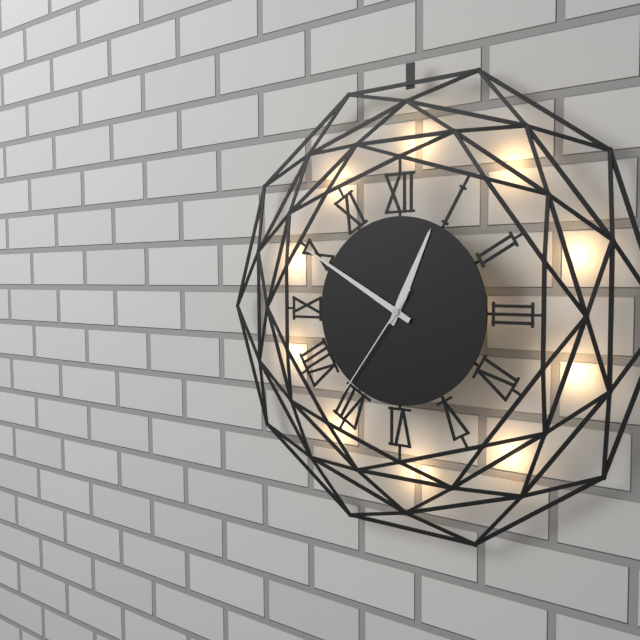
12:50:36
